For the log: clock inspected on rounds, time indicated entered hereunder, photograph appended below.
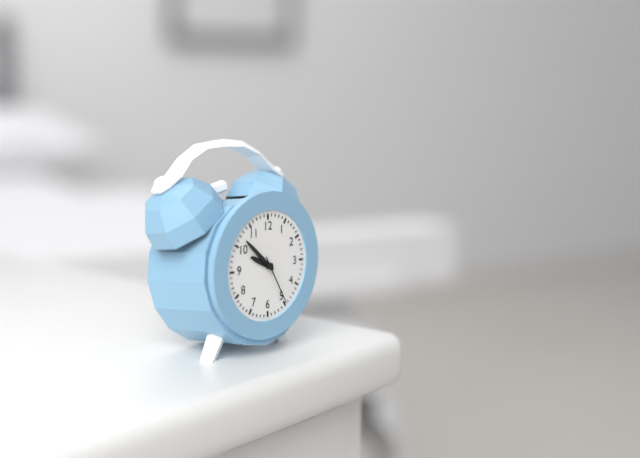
9:52:25
